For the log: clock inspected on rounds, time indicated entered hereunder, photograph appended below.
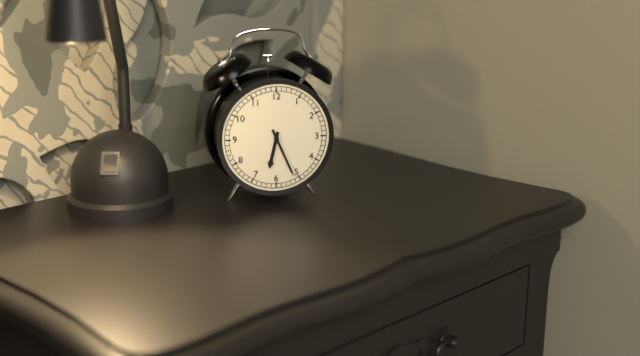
6:26
